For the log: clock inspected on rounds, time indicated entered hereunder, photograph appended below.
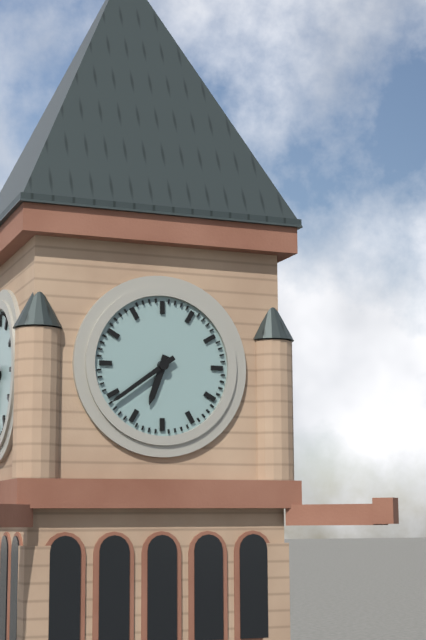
6:39
